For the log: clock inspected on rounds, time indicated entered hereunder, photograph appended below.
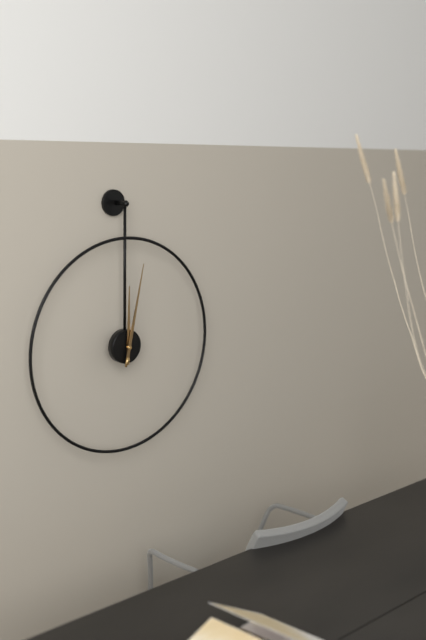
12:02
